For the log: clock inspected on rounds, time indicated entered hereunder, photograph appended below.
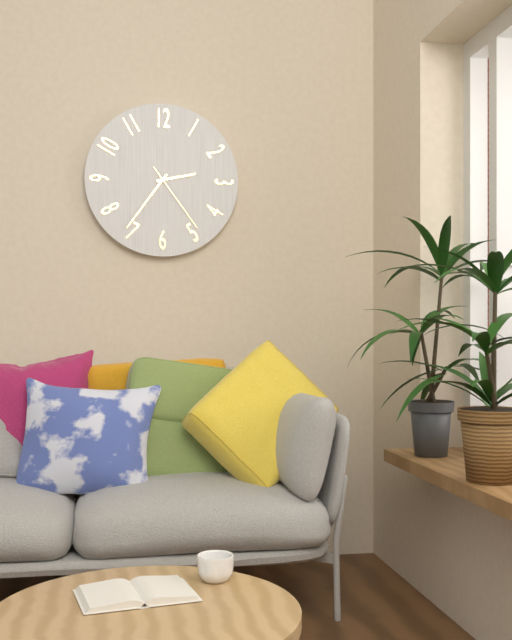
2:36:24
